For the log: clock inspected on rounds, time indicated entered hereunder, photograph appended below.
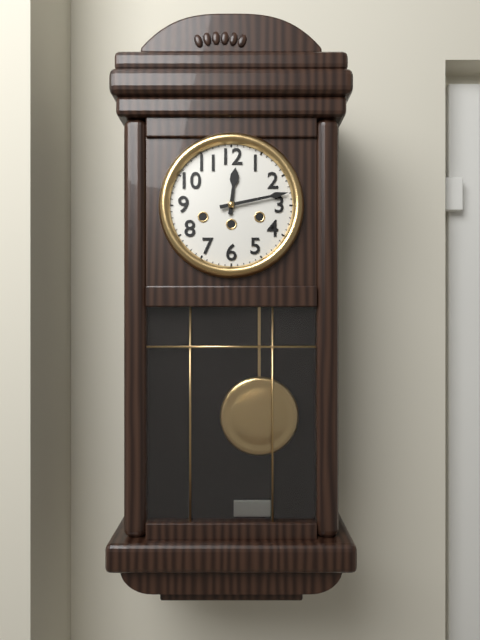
12:13
